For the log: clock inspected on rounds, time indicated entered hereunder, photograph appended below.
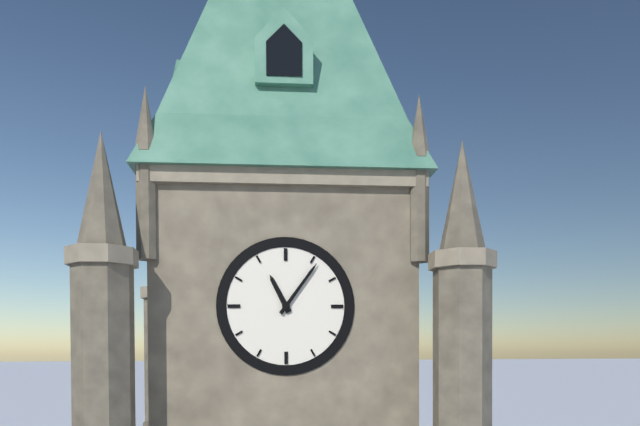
11:06
